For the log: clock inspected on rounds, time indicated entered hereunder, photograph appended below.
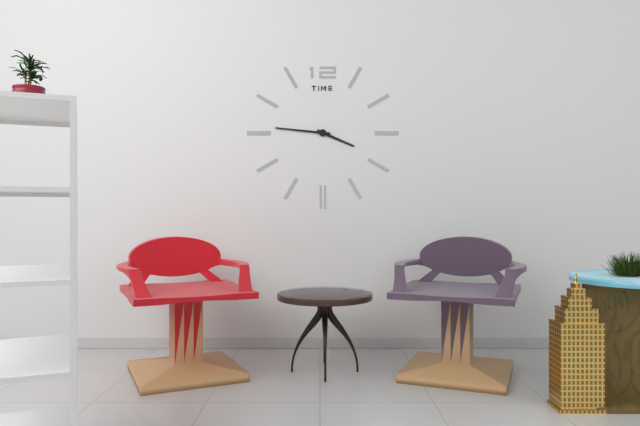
3:46
